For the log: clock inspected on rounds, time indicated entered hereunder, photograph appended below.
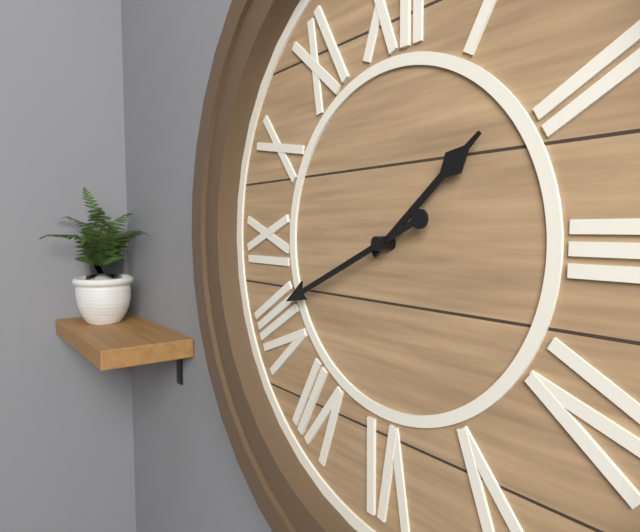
1:41
